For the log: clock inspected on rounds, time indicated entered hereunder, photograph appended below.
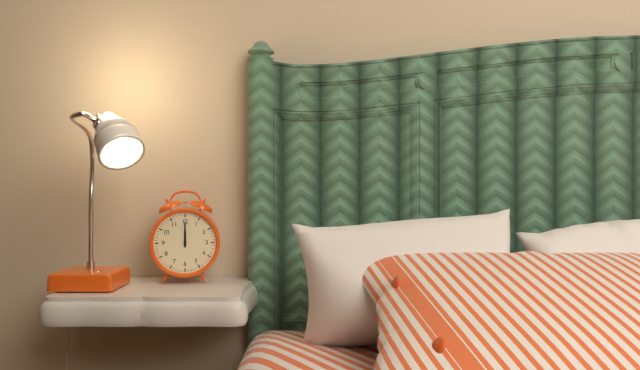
12:00
